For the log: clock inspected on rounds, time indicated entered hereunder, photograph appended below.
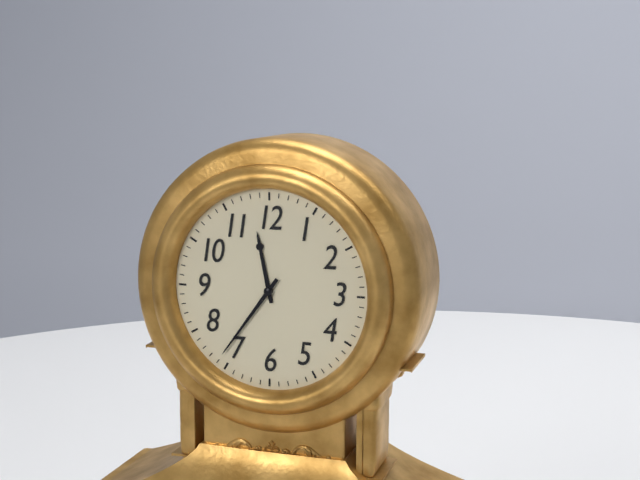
11:36
